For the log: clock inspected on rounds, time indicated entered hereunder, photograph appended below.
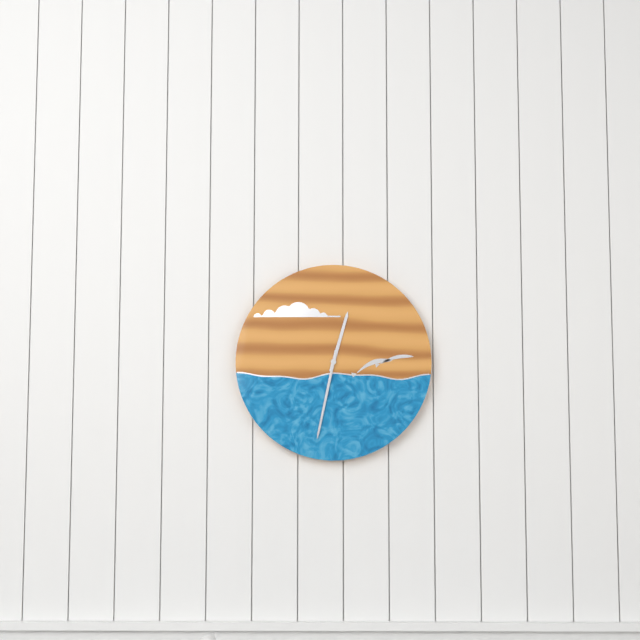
12:32
